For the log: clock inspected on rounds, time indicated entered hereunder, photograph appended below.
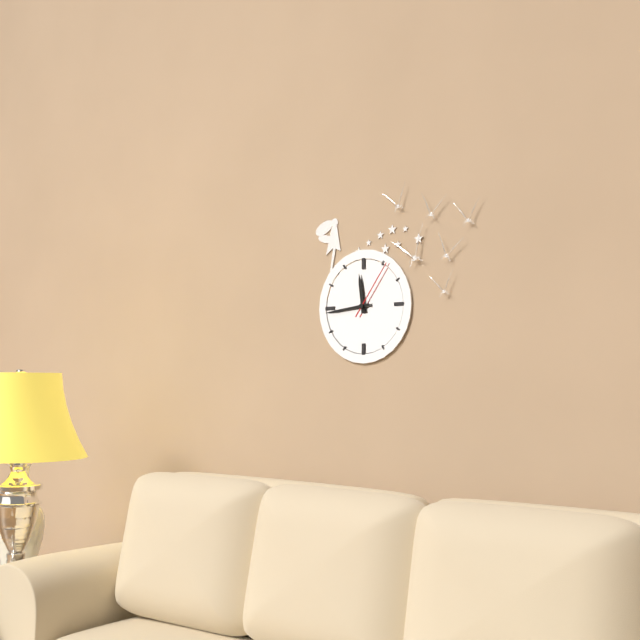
11:44:06
